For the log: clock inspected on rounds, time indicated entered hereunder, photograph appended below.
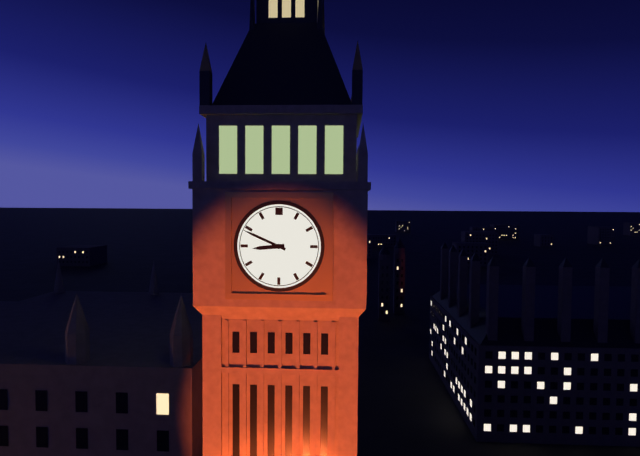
8:49
